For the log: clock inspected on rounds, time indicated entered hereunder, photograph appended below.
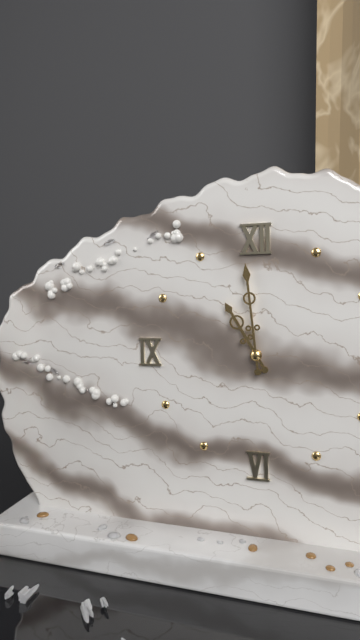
10:59
